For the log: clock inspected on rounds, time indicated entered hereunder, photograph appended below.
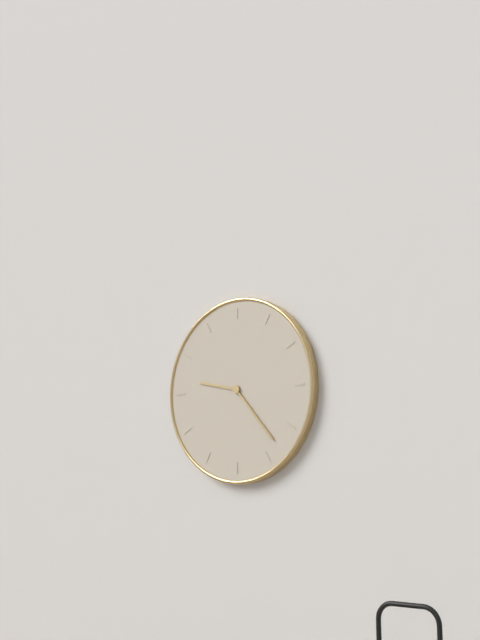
9:23
